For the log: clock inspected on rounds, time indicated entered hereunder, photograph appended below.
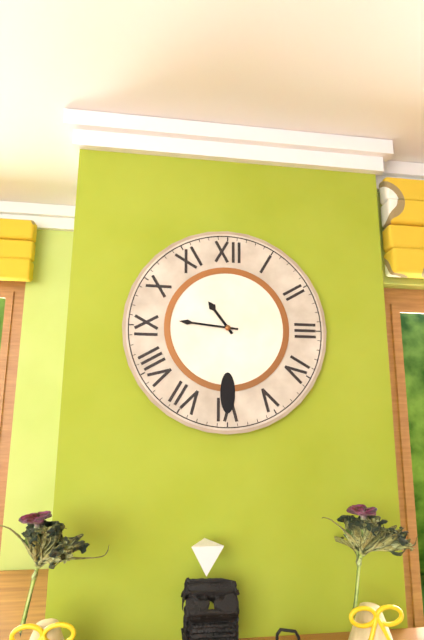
10:46
